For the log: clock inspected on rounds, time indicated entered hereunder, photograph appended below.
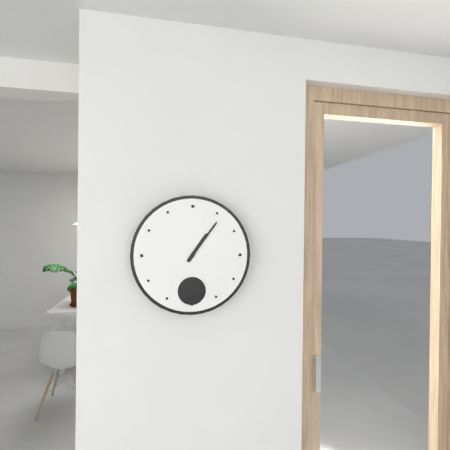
1:06
